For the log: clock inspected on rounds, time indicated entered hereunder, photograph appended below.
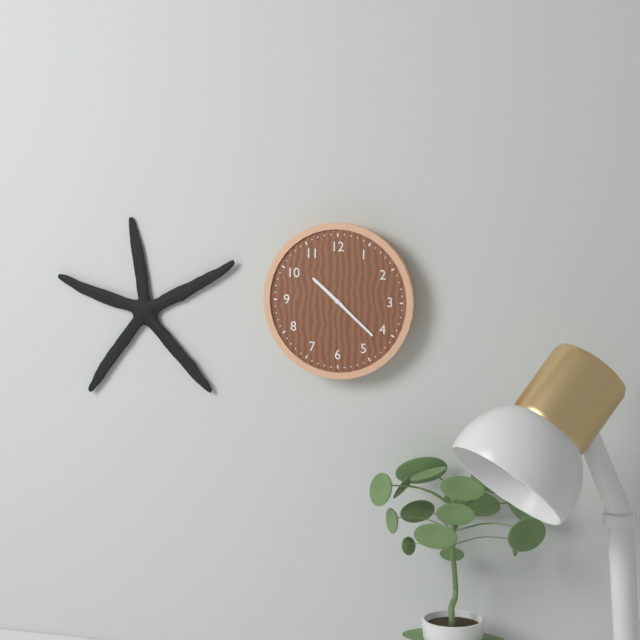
10:22
